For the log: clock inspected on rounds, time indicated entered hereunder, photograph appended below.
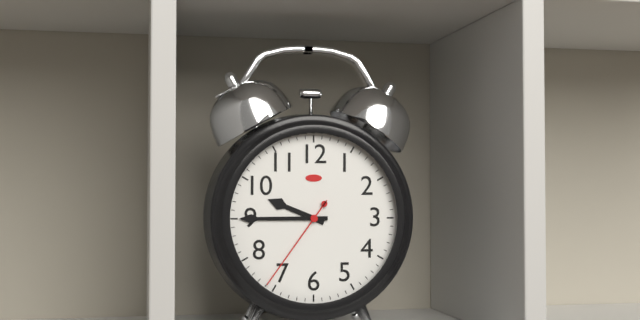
9:45:36
